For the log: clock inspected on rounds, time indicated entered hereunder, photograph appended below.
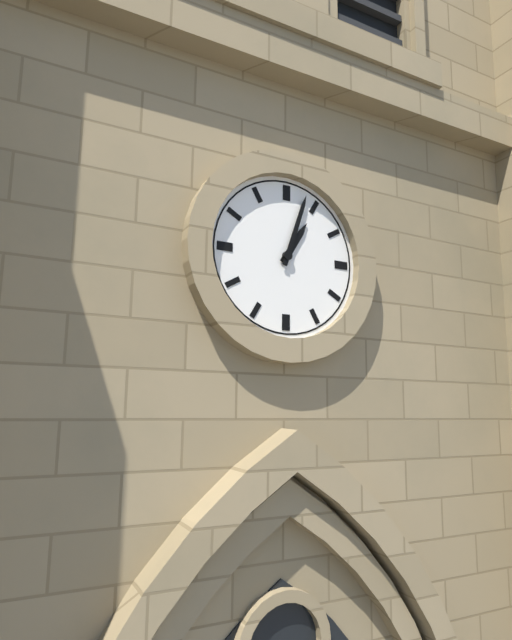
1:03
